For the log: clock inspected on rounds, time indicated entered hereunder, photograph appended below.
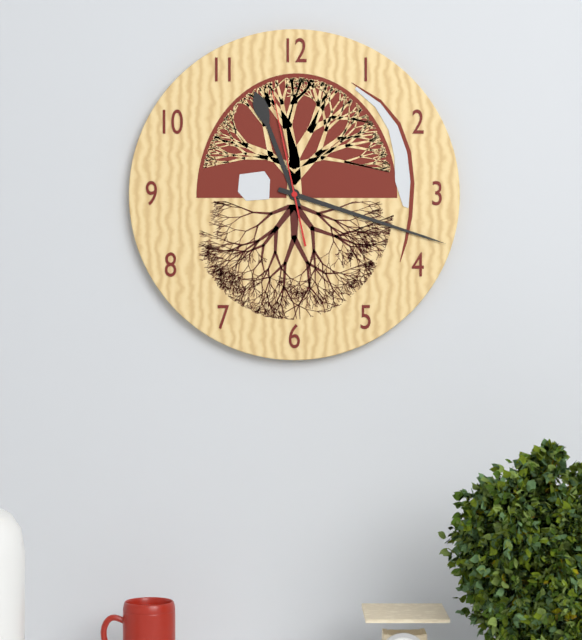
11:18:58
